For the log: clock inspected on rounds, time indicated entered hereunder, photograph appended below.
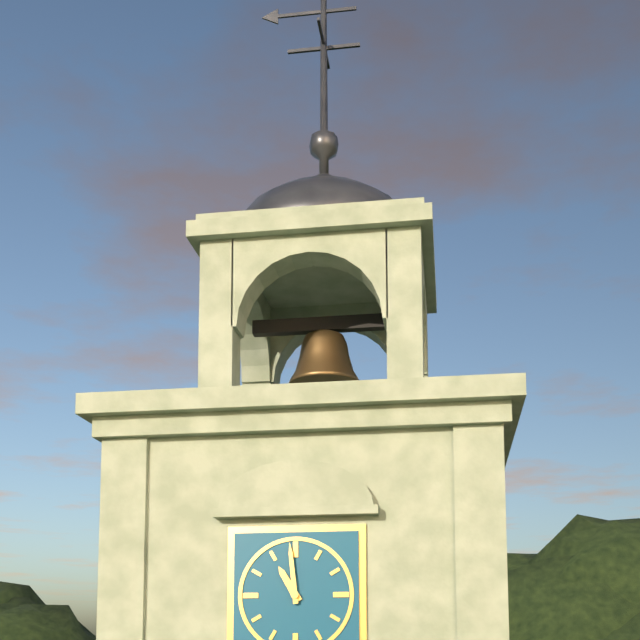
10:59
